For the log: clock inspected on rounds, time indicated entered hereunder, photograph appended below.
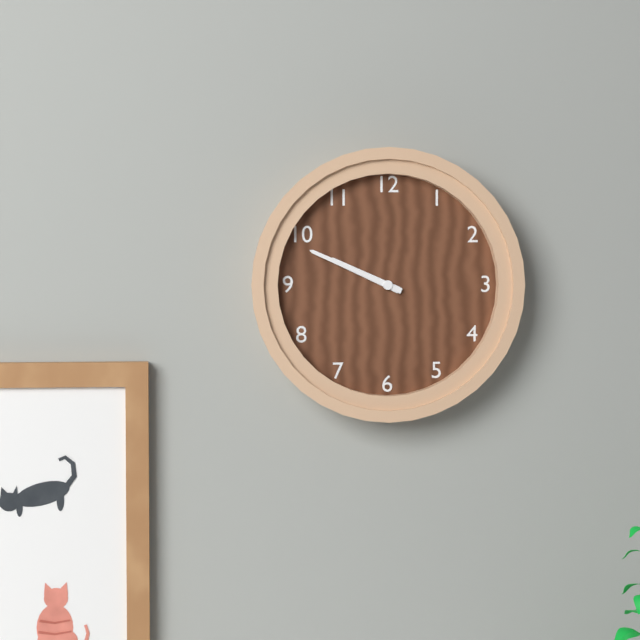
9:49
